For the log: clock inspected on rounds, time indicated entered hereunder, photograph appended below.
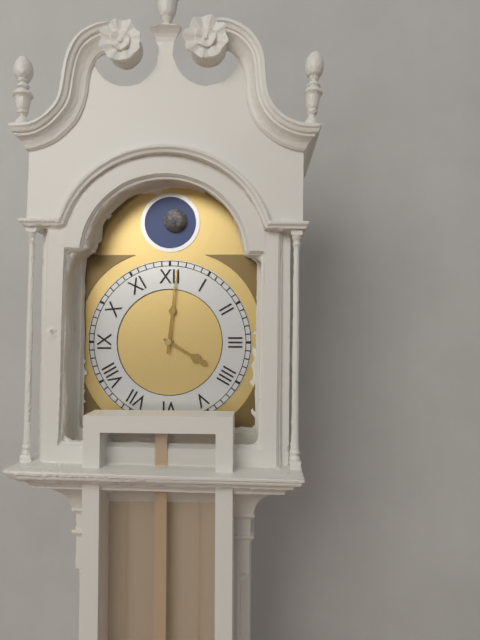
4:01
